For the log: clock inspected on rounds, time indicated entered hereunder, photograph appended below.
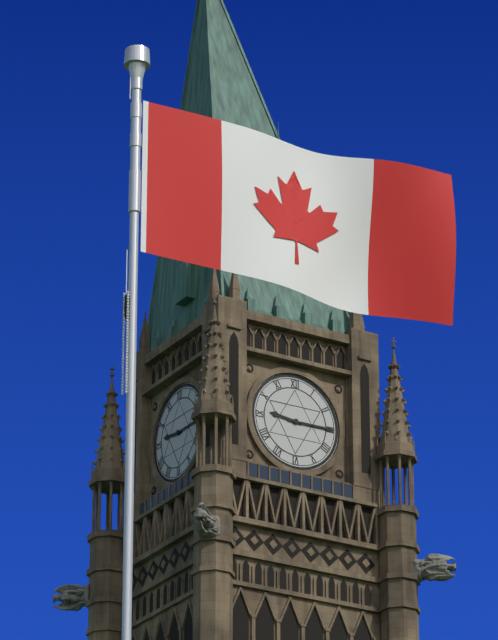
9:15
